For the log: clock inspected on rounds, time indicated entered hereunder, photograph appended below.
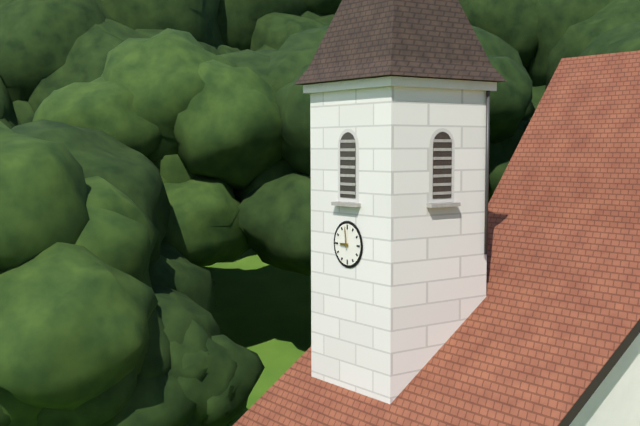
8:59
